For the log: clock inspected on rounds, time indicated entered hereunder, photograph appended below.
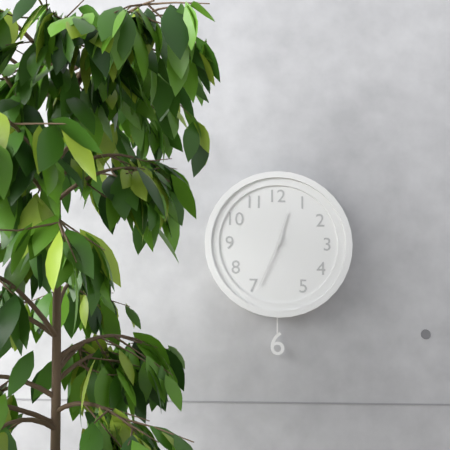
12:34
